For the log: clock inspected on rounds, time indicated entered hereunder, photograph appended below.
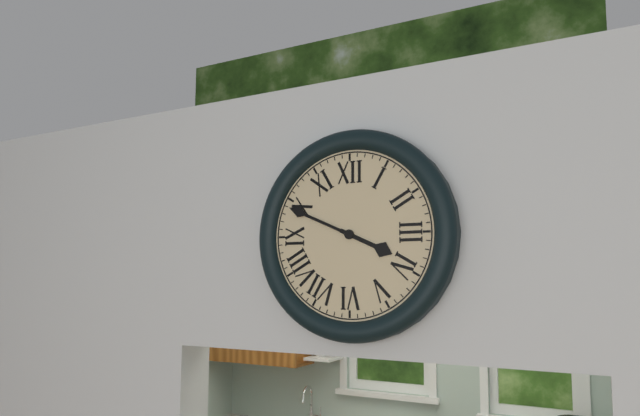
3:49
